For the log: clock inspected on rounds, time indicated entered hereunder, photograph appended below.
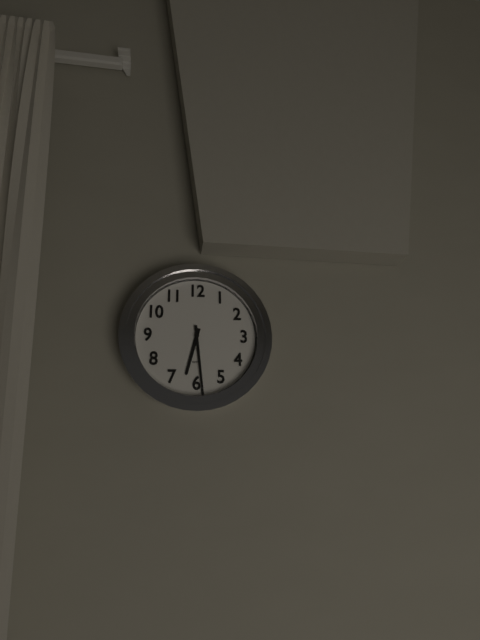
6:29
